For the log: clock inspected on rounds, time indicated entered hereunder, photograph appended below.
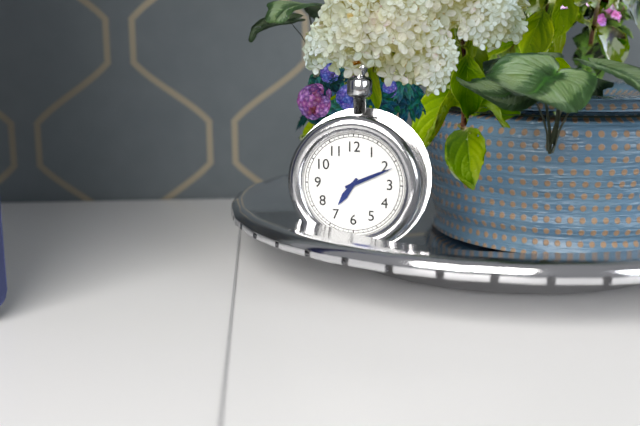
7:11
